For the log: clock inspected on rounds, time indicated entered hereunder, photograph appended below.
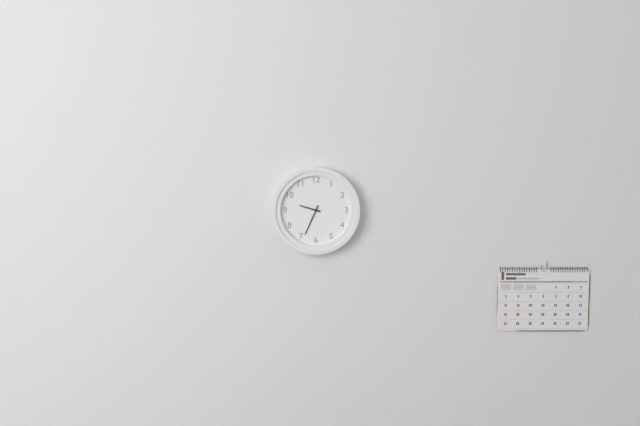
9:34
